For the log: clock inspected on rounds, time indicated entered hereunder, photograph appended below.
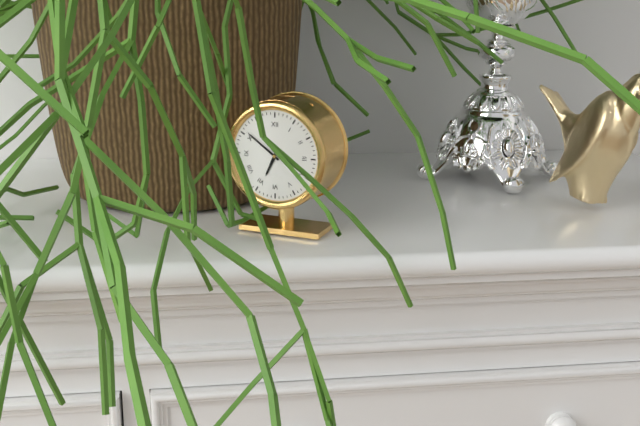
6:51
